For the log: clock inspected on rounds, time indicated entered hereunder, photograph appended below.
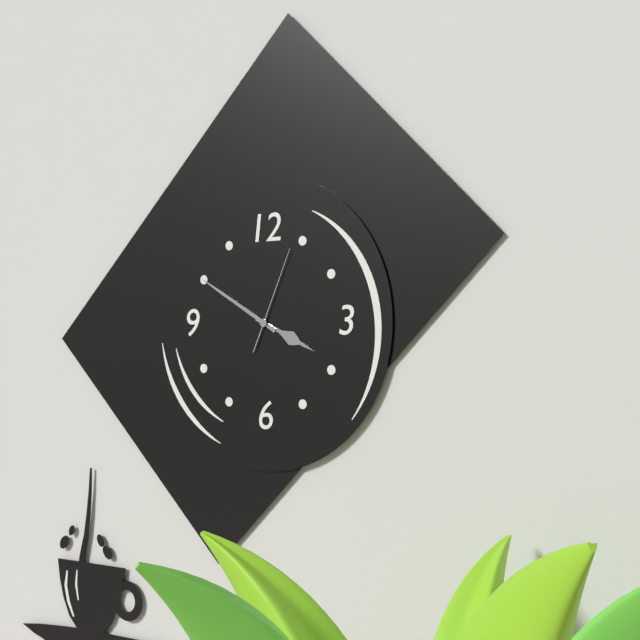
3:50:04
